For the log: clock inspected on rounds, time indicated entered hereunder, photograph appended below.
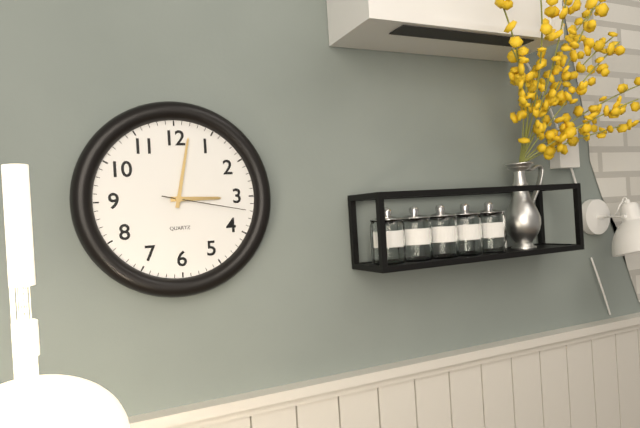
3:02:17
